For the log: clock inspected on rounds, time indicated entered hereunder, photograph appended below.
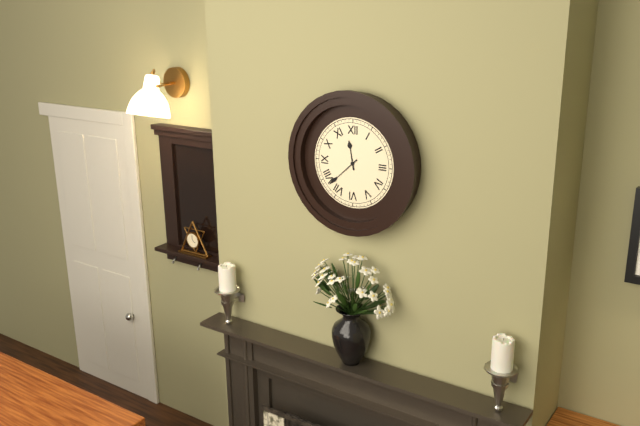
11:38
